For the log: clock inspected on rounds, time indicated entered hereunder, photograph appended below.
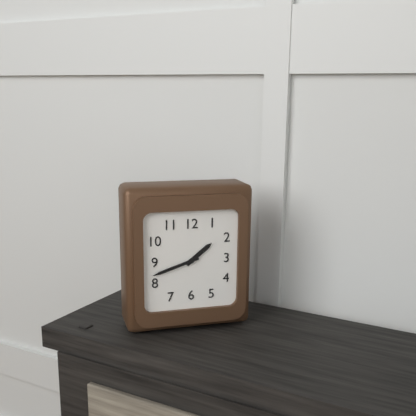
1:42
